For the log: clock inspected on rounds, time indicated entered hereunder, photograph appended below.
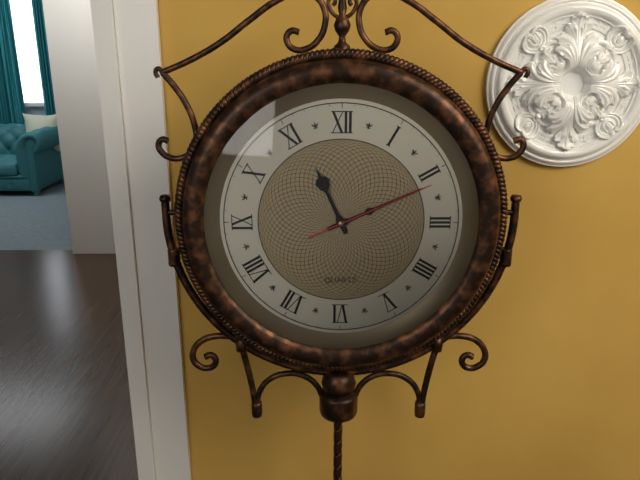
11:11:11
